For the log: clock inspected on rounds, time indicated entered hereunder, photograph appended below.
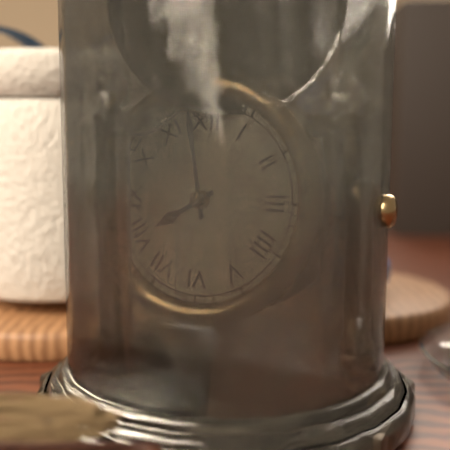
7:58
